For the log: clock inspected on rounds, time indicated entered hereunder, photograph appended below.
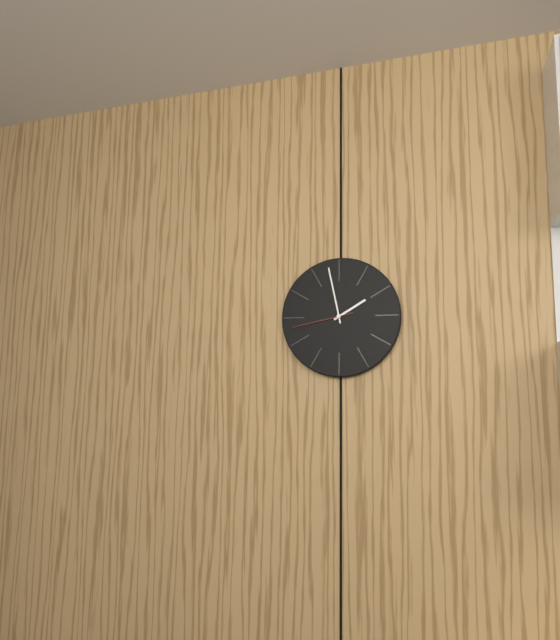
1:58:43
